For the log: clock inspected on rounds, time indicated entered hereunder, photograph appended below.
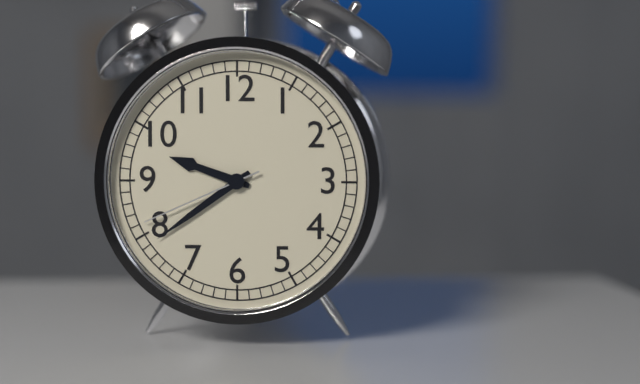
9:39:41
